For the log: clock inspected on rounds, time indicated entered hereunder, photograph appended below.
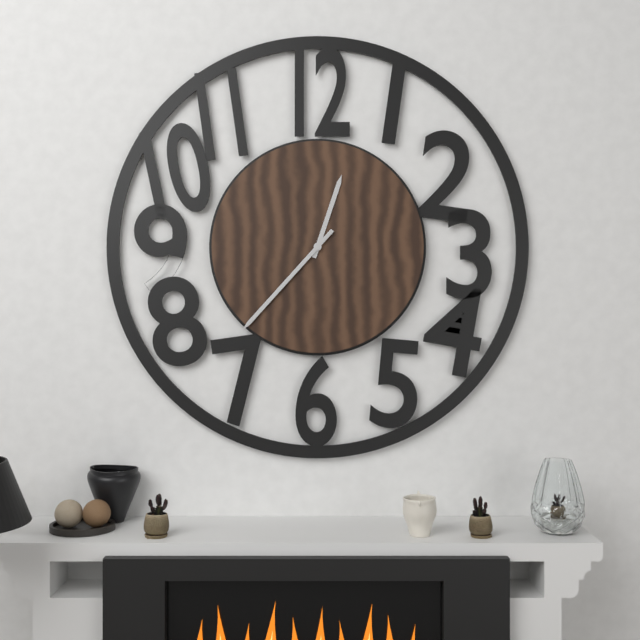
12:37
